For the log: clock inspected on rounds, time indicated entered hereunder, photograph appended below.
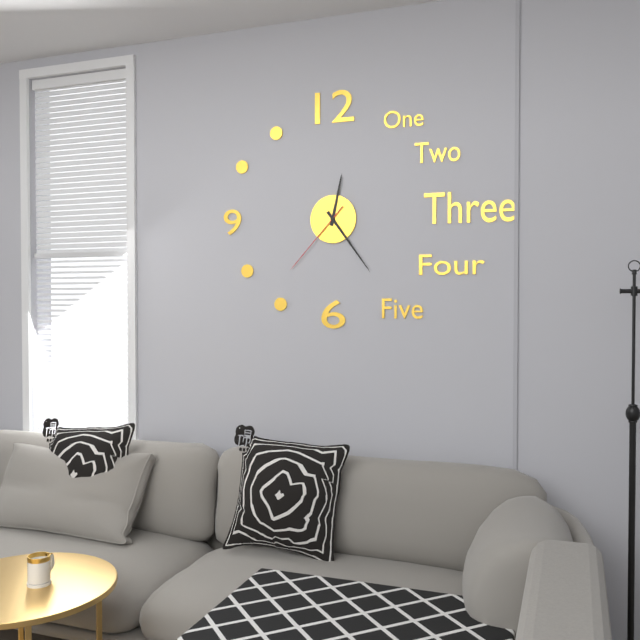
12:24:37
